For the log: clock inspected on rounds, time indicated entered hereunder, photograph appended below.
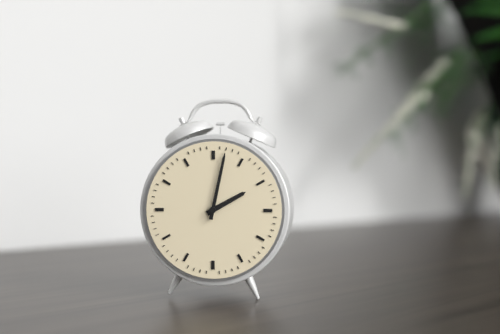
2:02
